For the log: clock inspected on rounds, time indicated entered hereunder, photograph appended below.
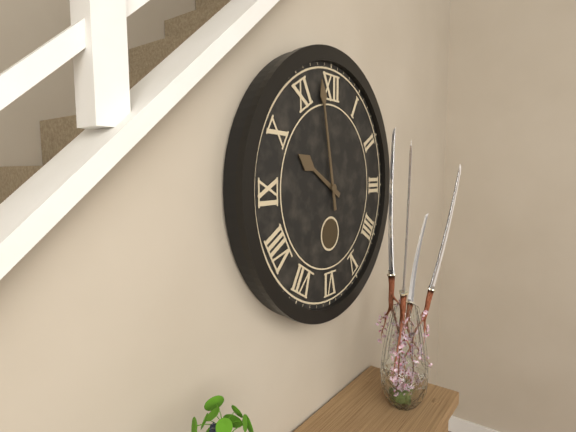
9:58
